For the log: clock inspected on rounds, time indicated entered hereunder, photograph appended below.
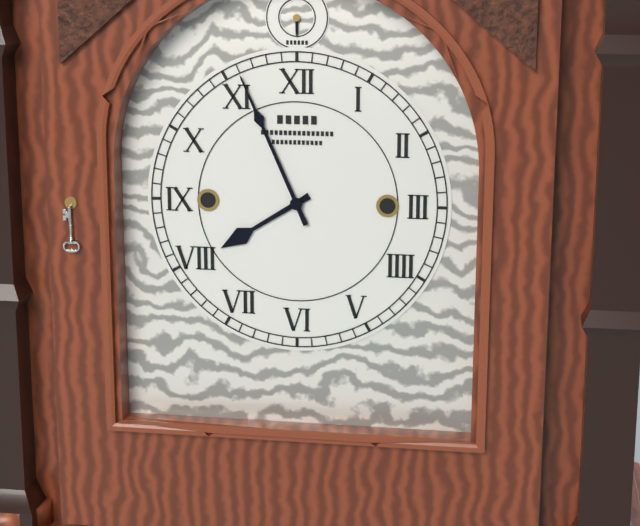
7:56
